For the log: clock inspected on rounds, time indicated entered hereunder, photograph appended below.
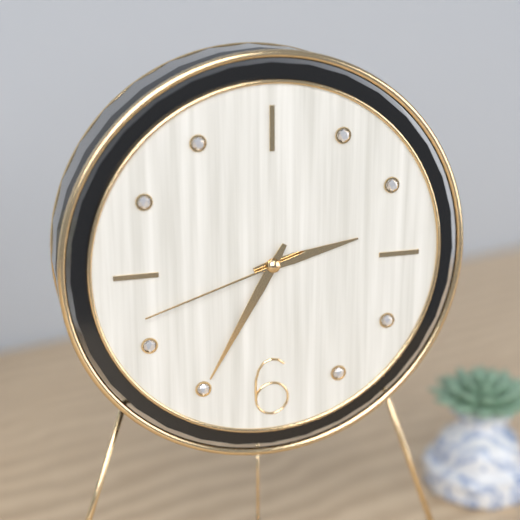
2:35:42
